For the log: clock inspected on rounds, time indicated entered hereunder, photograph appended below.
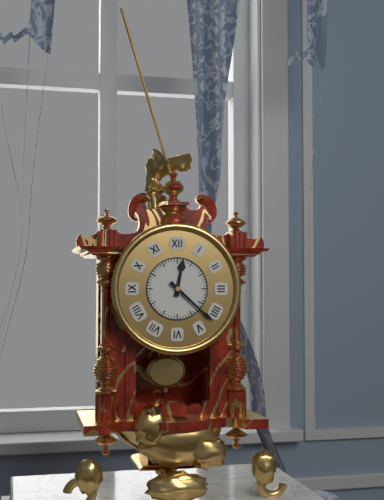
12:22
